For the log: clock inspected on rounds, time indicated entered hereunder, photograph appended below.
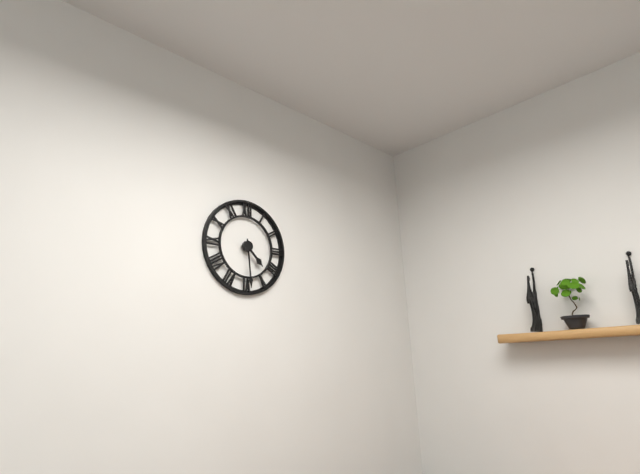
4:29
